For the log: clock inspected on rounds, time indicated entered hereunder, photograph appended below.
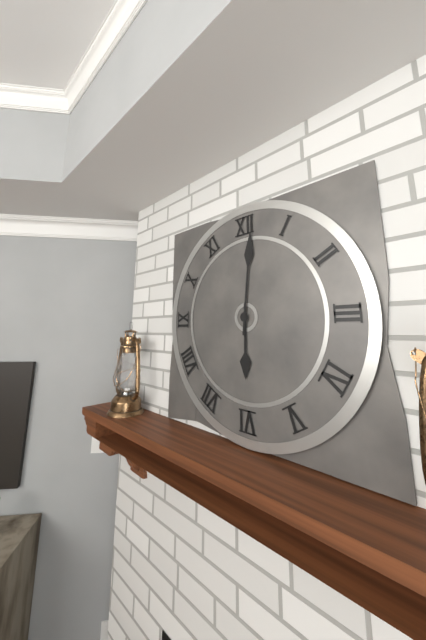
6:01
